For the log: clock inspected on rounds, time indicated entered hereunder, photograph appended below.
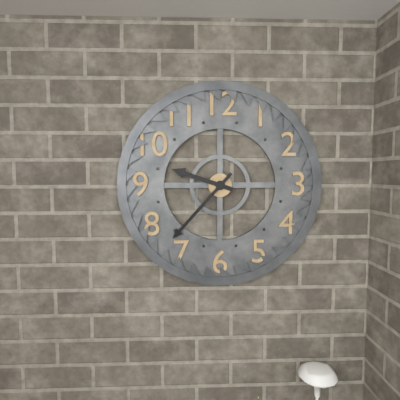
9:37
